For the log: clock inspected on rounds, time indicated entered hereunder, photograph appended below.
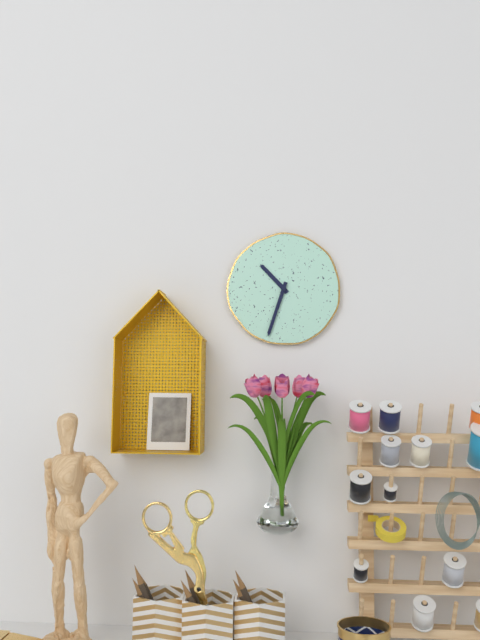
10:33
